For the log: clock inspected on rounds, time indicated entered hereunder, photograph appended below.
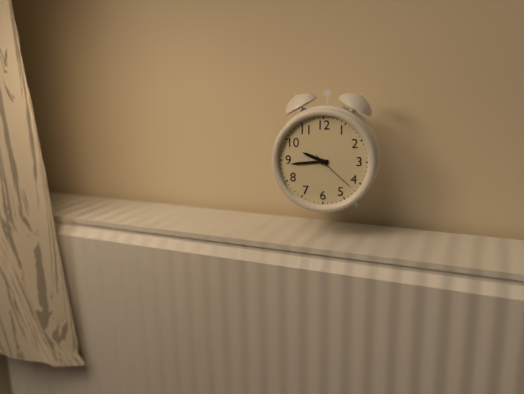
9:44
